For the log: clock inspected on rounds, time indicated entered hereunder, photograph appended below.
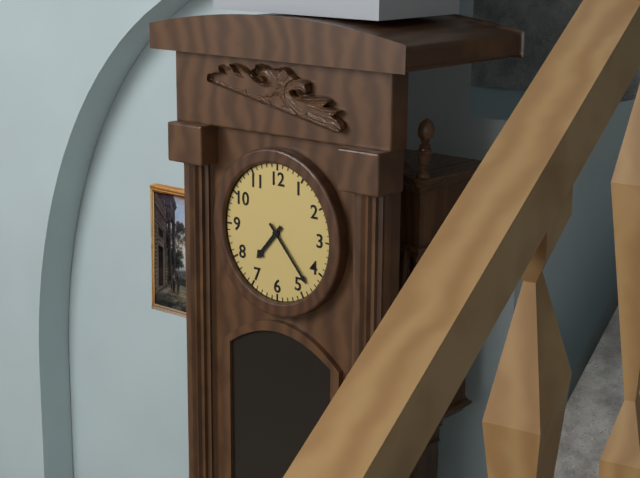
7:23
